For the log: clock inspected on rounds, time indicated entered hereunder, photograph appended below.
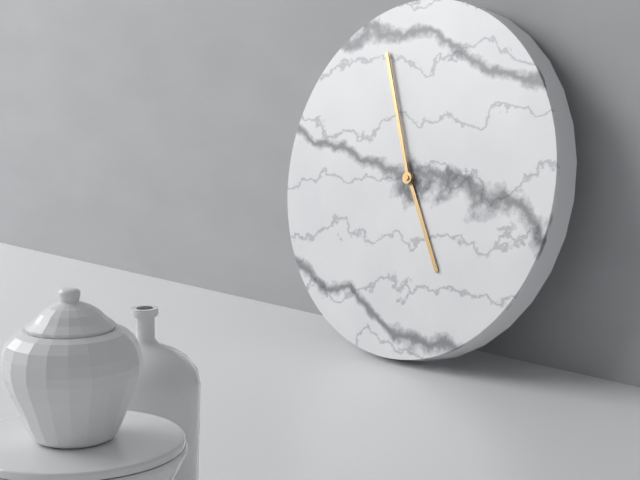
4:56
